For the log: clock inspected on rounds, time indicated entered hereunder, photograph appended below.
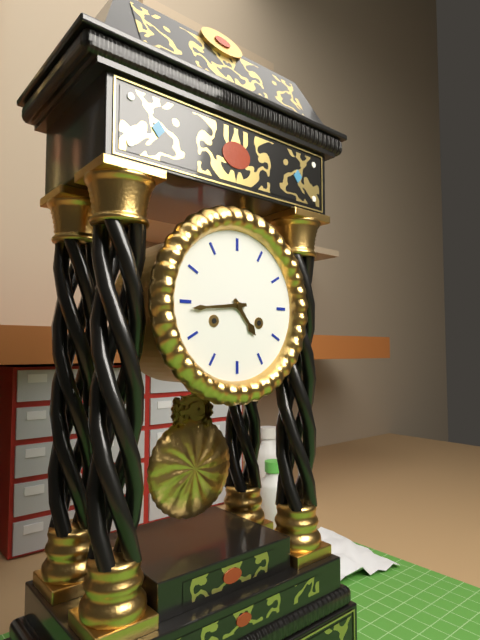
4:44
